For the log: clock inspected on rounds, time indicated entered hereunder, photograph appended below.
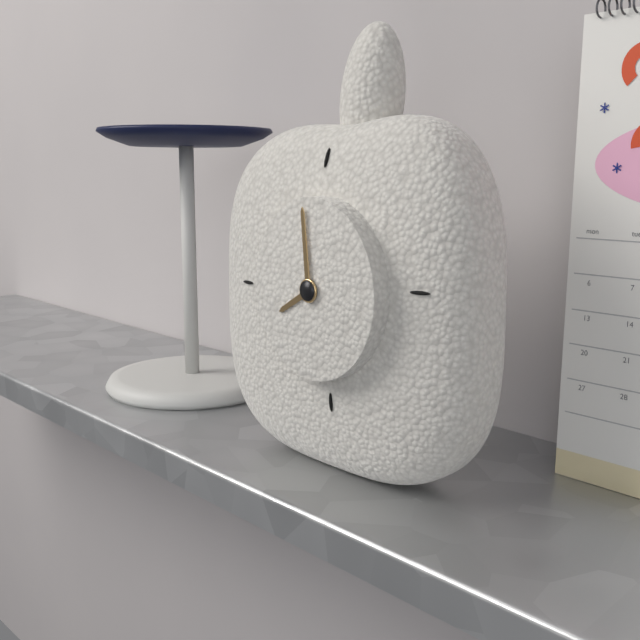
7:59
